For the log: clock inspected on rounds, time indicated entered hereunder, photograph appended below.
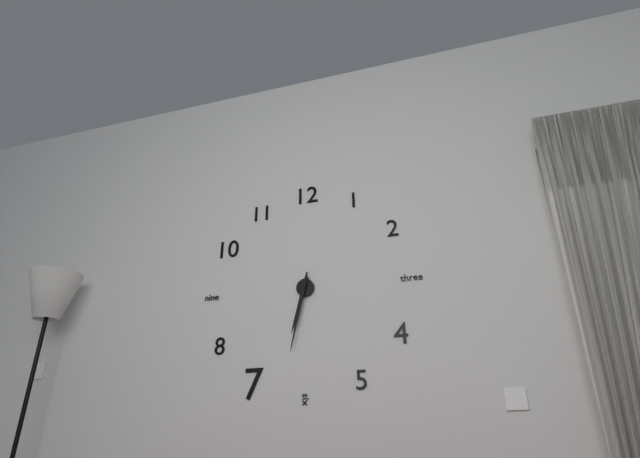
6:32
